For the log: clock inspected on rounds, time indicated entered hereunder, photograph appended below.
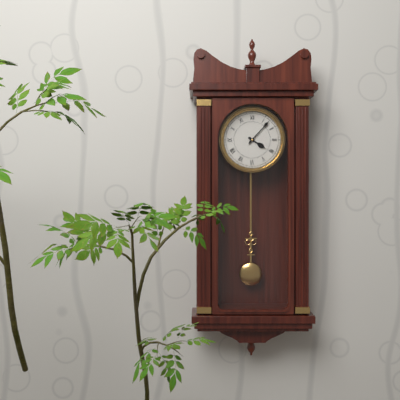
4:07
